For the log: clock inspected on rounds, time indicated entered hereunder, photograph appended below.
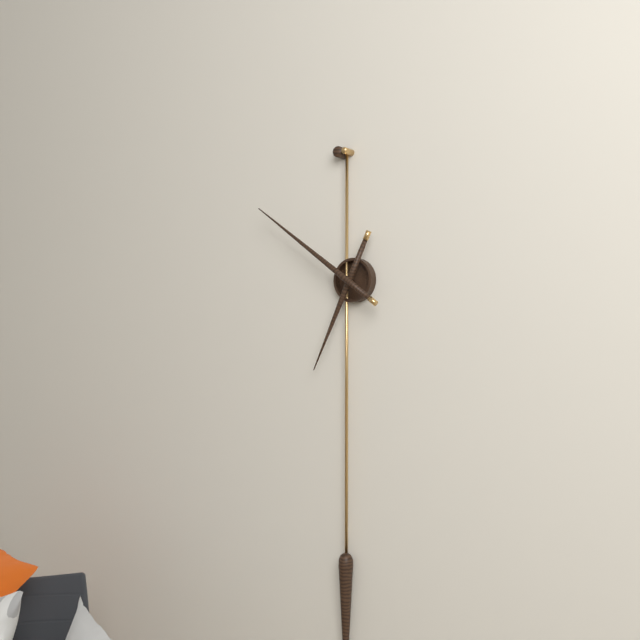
6:51
